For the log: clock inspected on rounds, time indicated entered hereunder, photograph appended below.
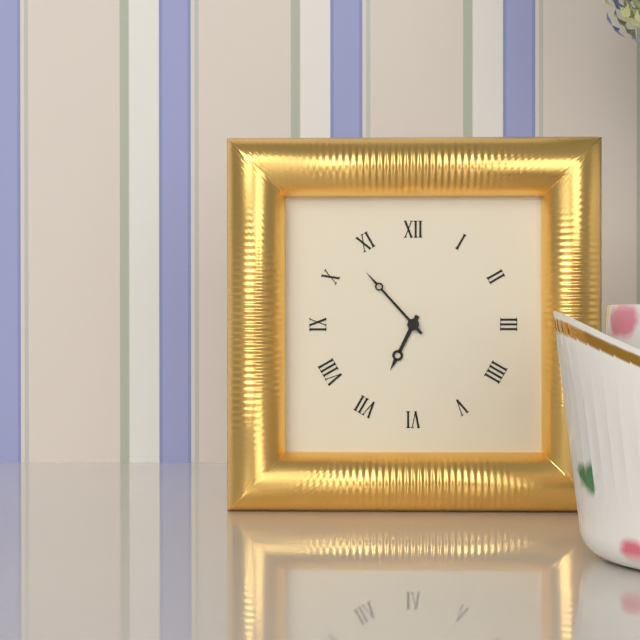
6:53
